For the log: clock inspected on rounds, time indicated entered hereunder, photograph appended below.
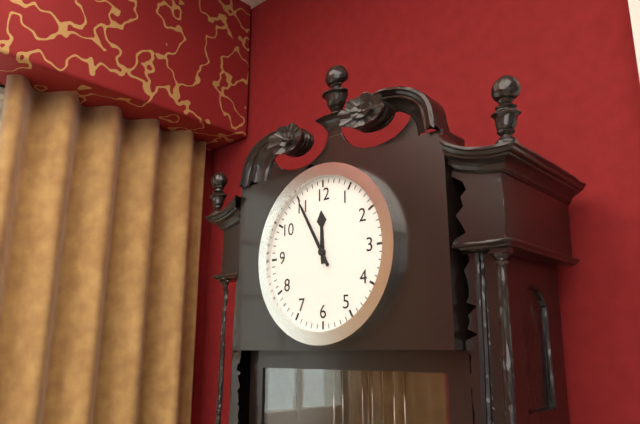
11:55
